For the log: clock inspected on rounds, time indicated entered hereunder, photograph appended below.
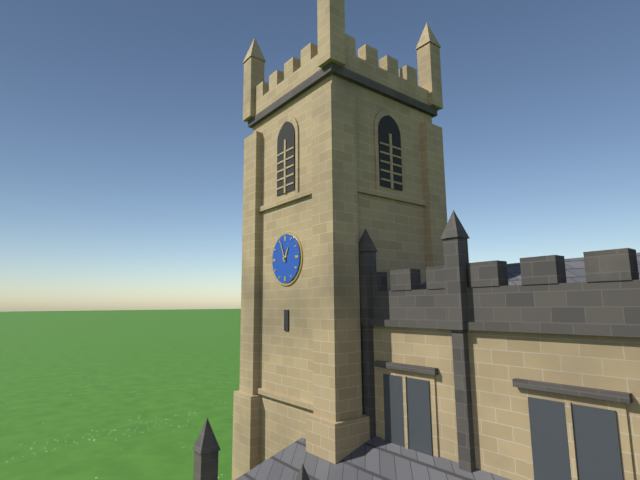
12:56
